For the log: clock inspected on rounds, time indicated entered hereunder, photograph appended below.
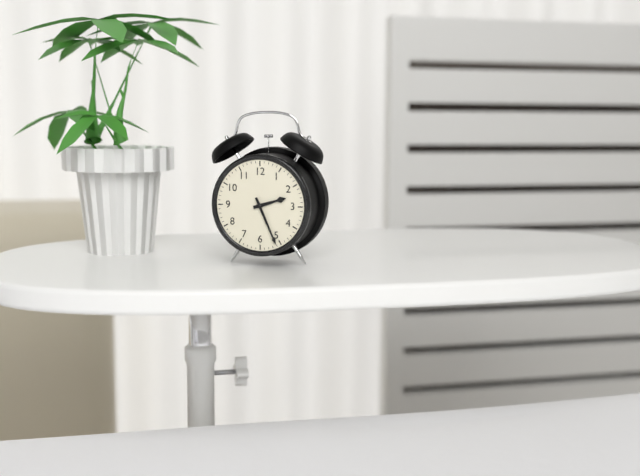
2:26
